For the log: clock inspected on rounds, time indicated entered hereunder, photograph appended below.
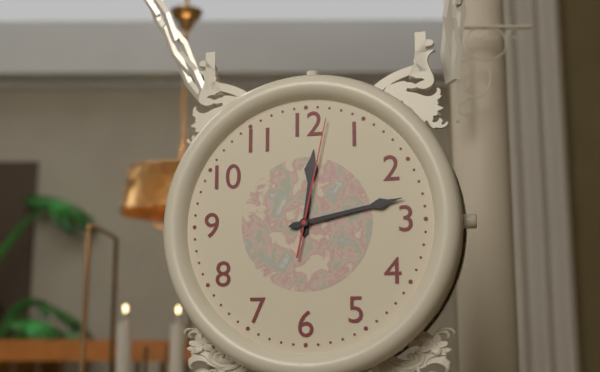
12:13:02
